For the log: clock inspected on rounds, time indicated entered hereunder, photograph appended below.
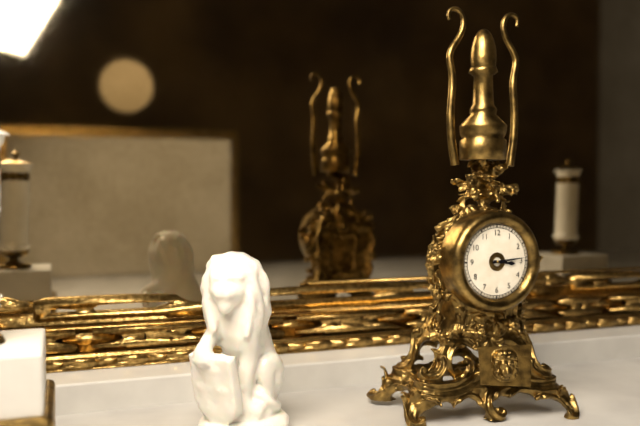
3:14
